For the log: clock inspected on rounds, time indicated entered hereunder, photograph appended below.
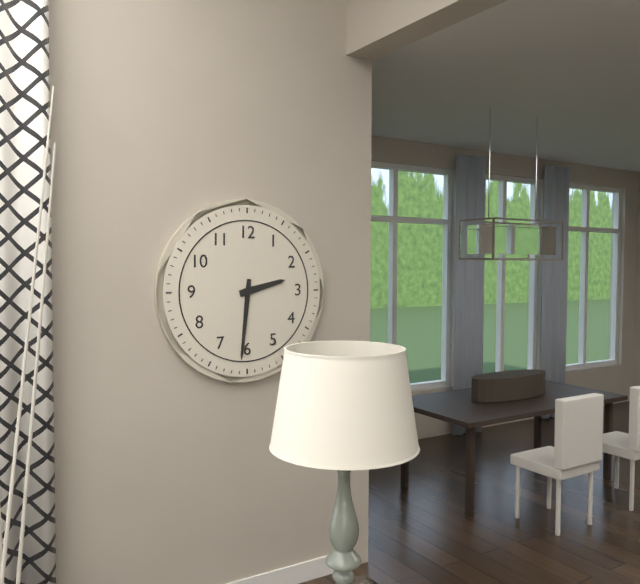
2:31
